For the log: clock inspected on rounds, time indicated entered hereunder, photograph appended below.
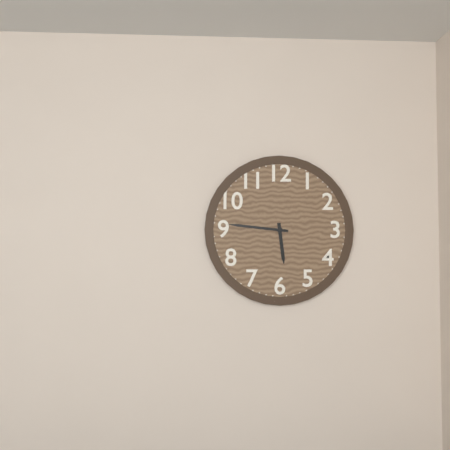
5:46
